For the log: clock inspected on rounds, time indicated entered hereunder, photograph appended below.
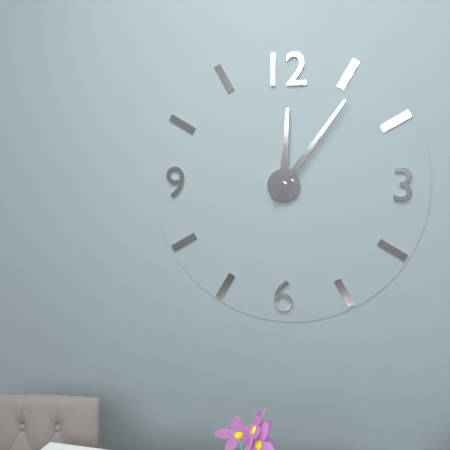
12:06
